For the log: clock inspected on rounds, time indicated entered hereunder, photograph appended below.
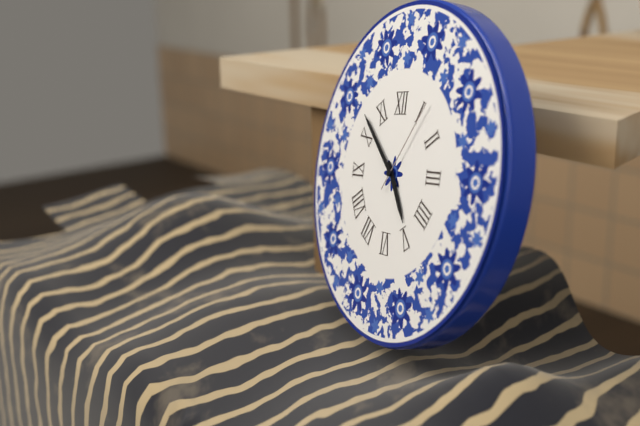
4:52:06
